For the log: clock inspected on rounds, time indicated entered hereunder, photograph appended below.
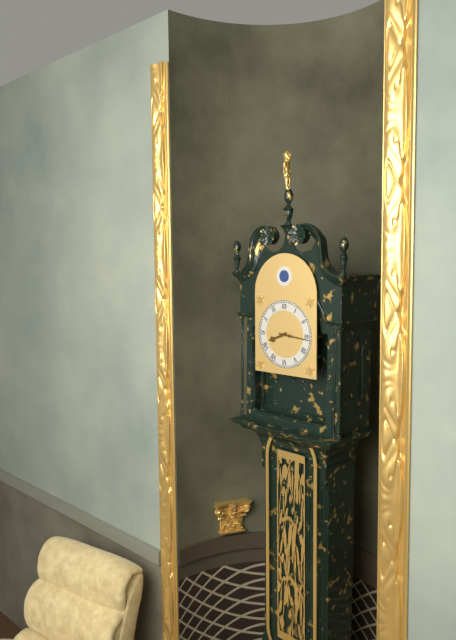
8:16
